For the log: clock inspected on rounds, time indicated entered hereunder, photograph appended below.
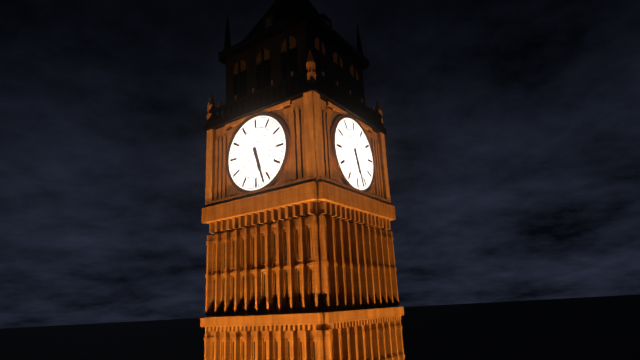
5:27
